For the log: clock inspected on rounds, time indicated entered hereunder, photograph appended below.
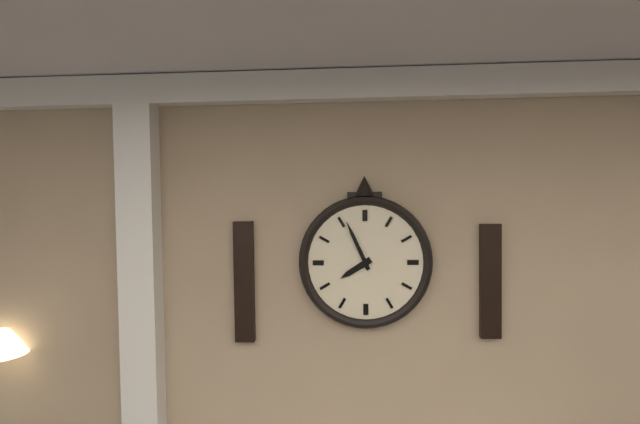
7:56
